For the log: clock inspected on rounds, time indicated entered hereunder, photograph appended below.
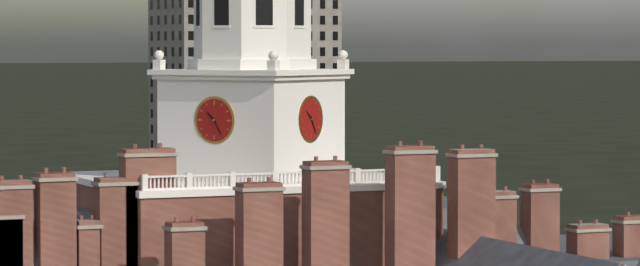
10:25
